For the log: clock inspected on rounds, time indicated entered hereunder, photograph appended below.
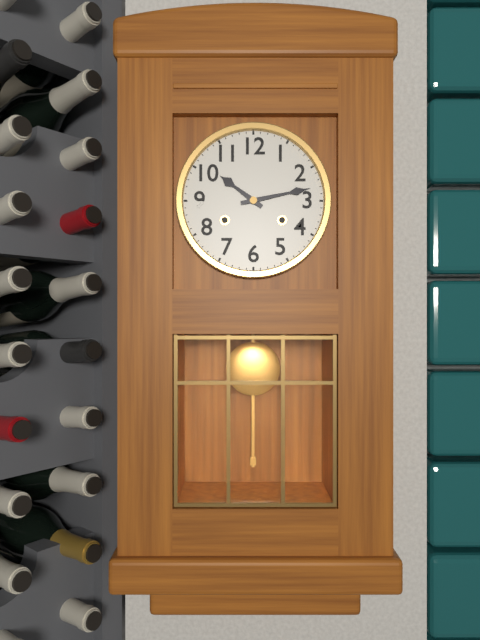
10:13
